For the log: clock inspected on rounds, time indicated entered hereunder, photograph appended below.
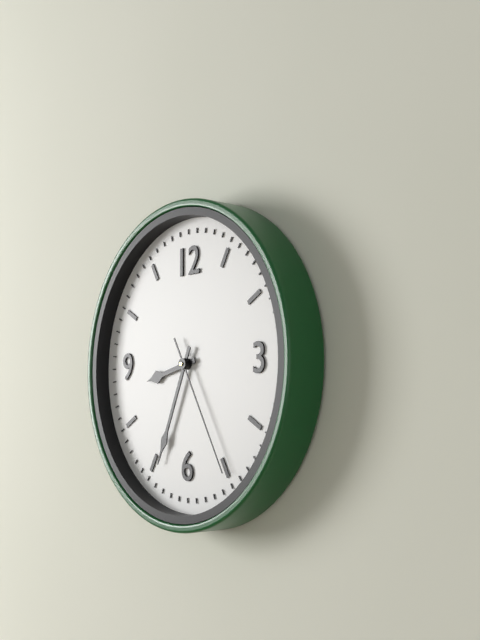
8:34:25
